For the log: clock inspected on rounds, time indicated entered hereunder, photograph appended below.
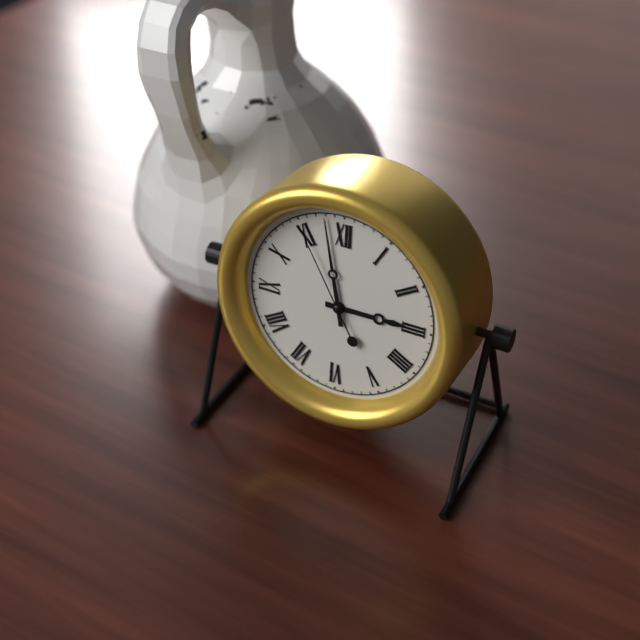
2:58:55
